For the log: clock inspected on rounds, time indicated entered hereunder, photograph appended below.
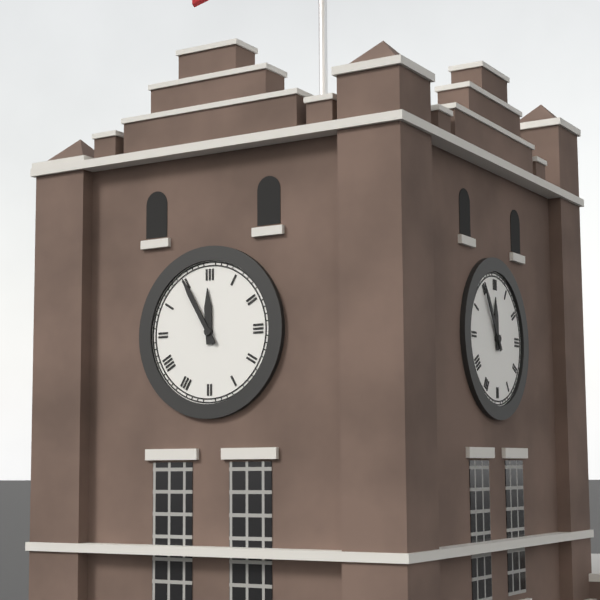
11:55
